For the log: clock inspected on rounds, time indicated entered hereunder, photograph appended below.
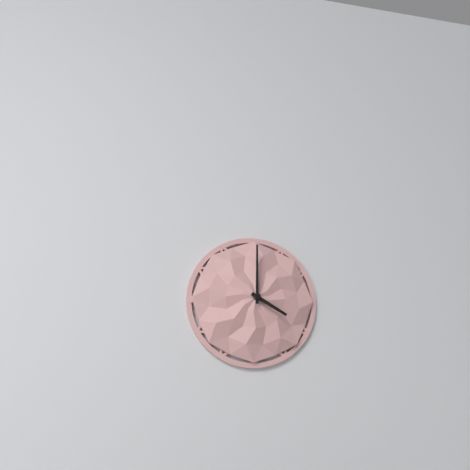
4:00
